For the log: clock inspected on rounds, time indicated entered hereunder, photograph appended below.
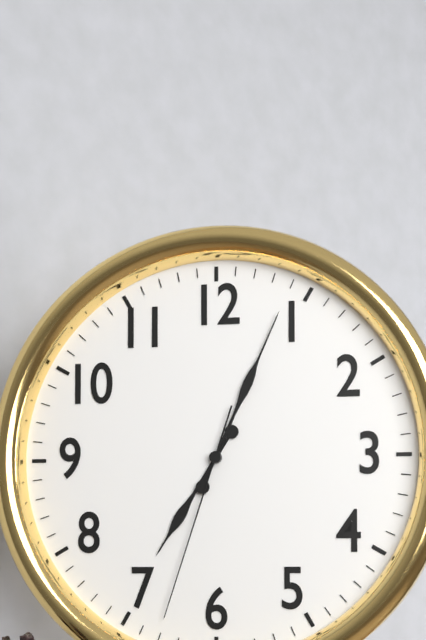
7:04:33
